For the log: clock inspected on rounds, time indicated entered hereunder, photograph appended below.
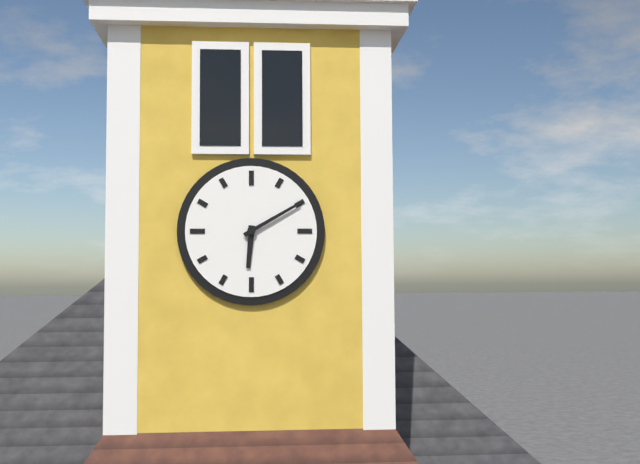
6:10
